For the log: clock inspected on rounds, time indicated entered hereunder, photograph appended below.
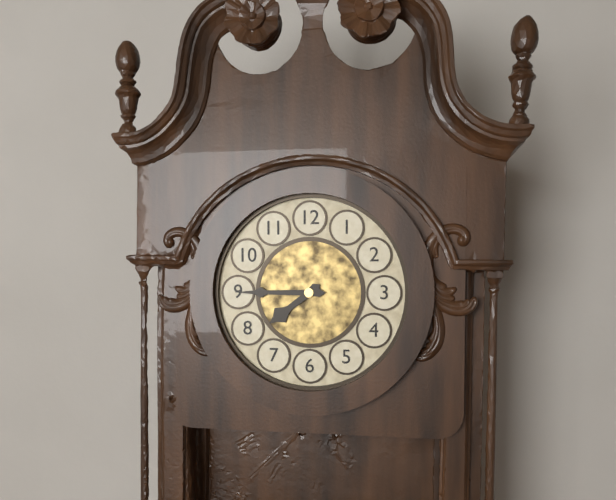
7:45
